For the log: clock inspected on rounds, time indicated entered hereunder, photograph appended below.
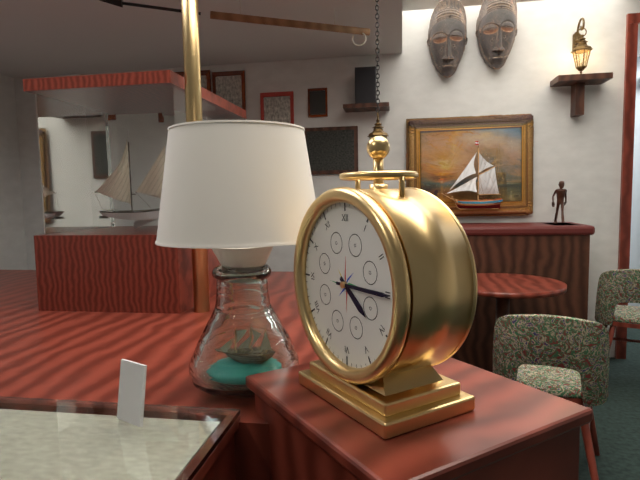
4:15
